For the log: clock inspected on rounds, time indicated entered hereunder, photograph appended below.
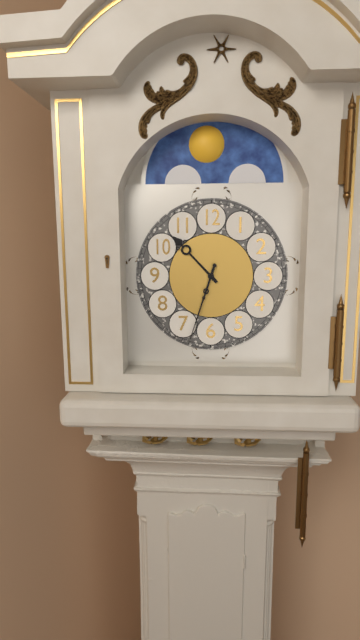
10:33
